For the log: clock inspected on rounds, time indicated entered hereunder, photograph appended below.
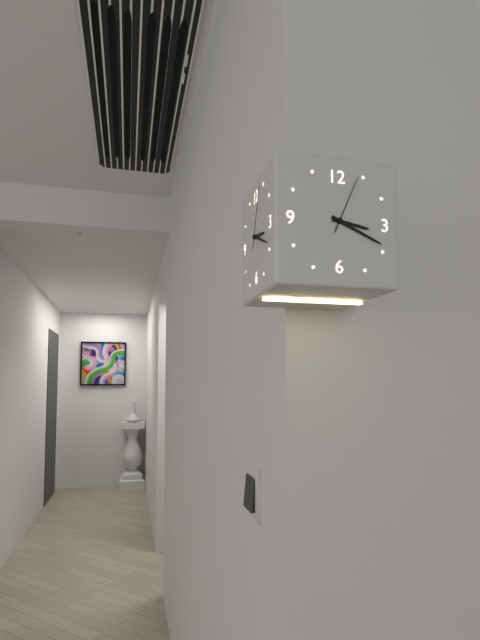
3:19:04
